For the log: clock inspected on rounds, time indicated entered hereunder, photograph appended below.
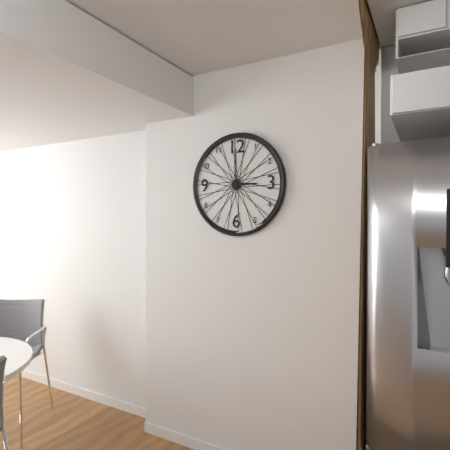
3:00
